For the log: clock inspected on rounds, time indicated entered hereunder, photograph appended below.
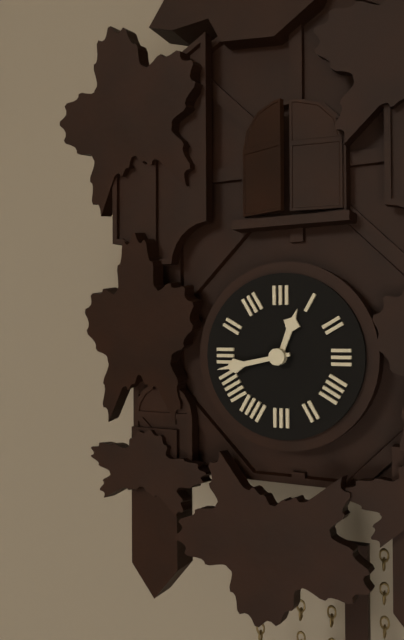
12:43
